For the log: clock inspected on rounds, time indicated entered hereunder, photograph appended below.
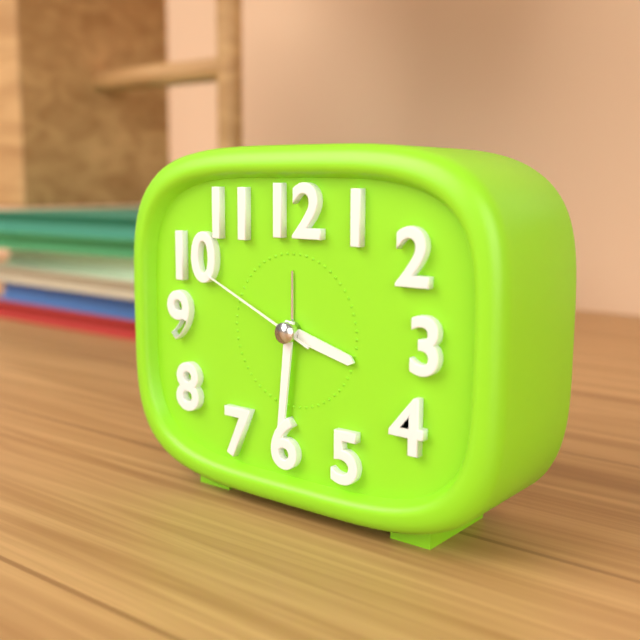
3:31:49
